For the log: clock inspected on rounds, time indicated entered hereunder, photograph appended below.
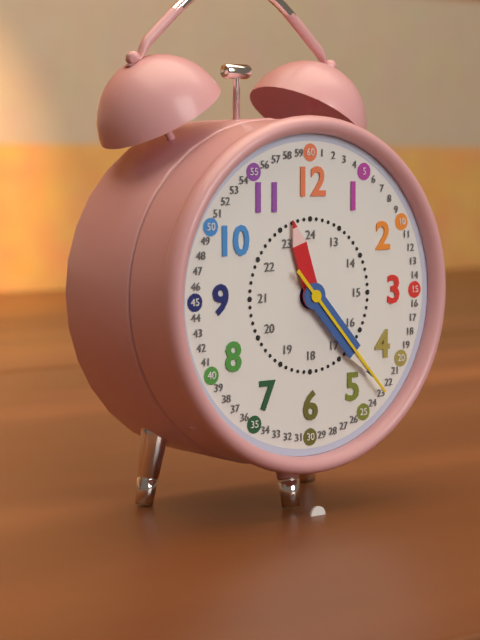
11:23:23
